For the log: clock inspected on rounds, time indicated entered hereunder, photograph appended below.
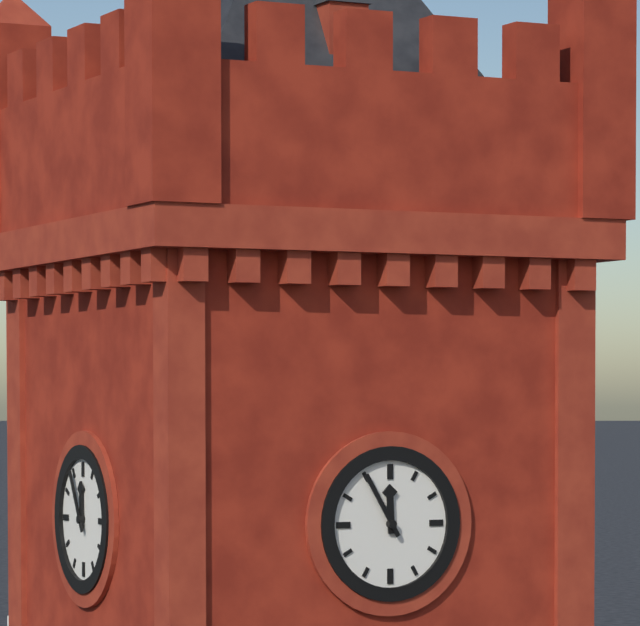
11:55
